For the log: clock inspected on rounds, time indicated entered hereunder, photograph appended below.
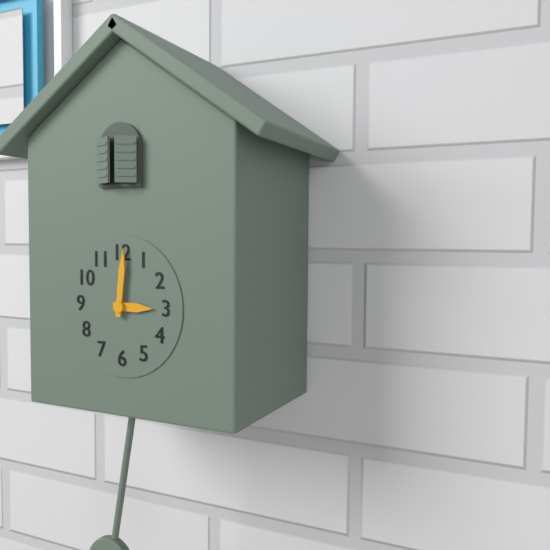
3:01
